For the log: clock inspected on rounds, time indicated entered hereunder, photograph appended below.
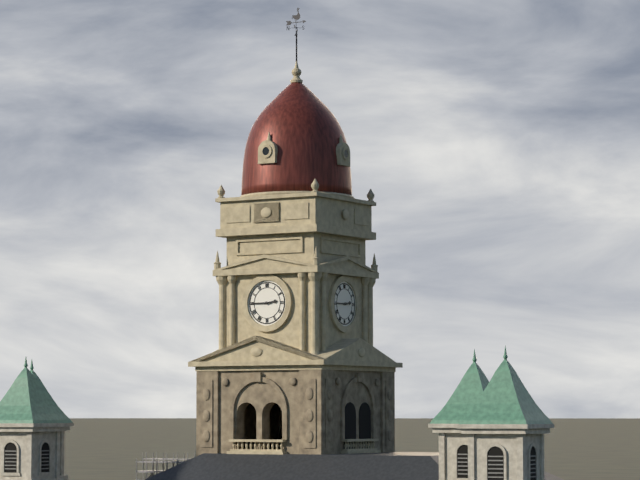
2:45
